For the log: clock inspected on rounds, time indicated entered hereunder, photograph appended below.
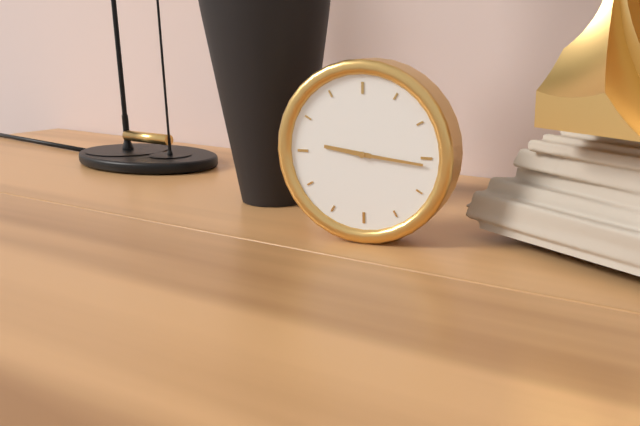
9:16
